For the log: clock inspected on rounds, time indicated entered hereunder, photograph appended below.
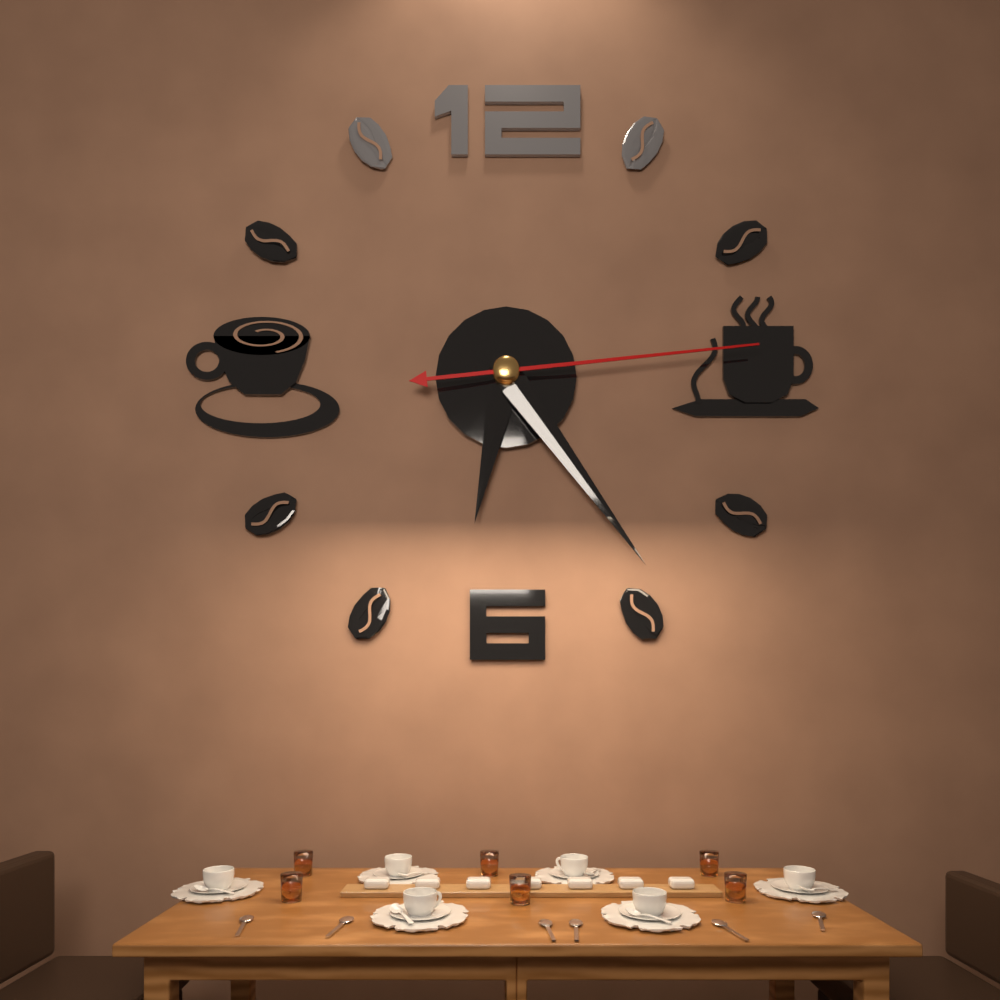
6:24:14
